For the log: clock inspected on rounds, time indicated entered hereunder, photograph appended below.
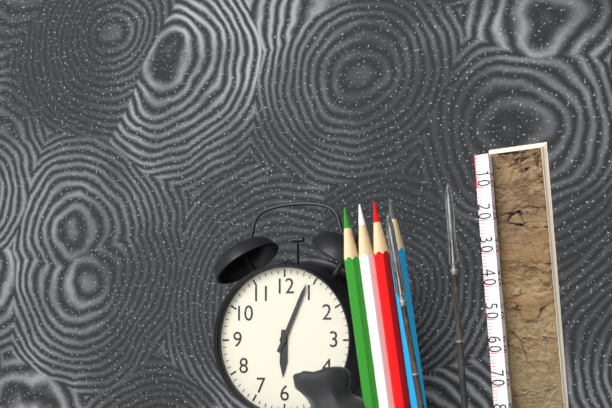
6:04
